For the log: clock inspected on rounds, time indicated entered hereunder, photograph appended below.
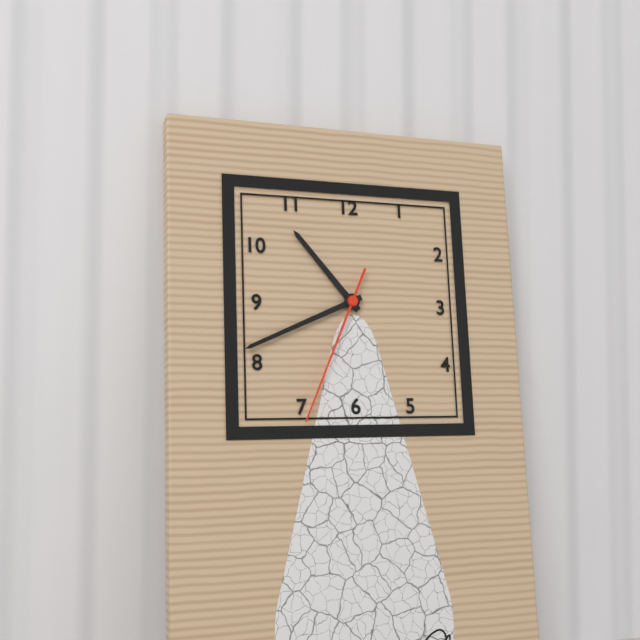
10:41:34
